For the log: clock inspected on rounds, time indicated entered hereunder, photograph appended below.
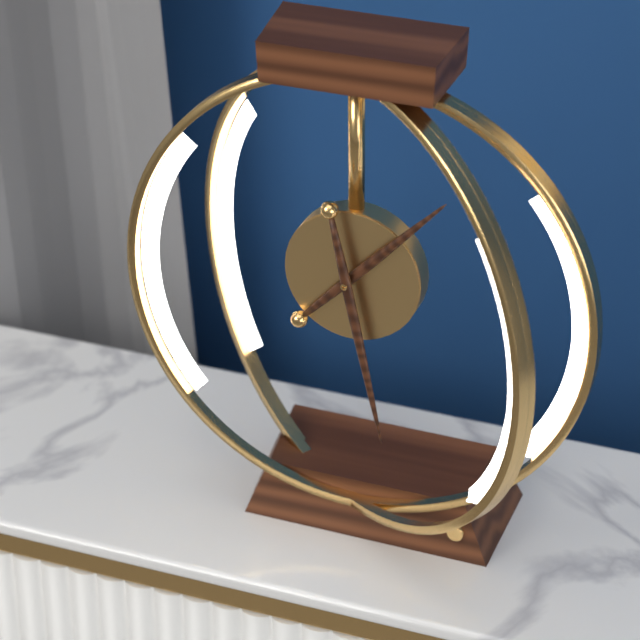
1:28
